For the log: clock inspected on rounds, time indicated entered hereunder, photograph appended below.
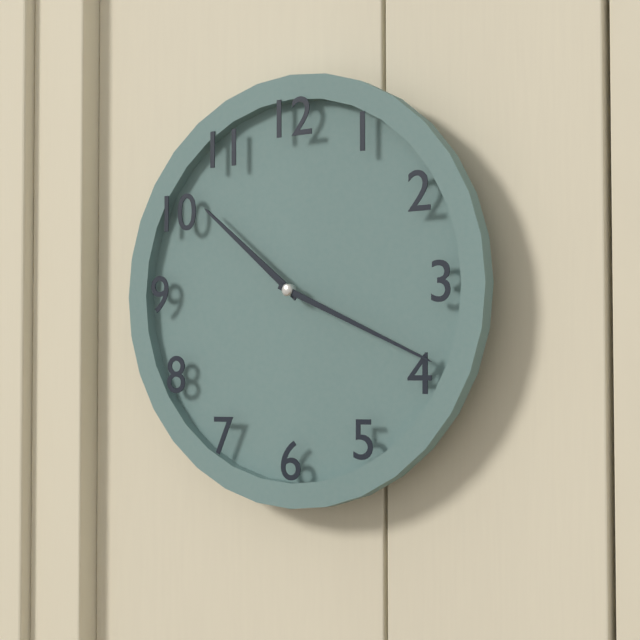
10:19
